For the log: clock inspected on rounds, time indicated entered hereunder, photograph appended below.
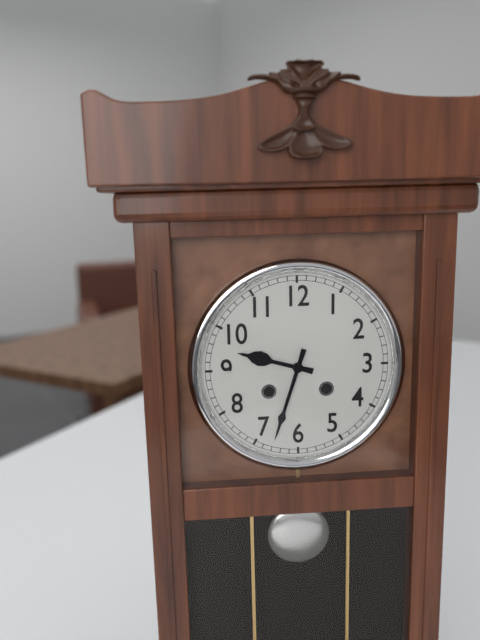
9:33
